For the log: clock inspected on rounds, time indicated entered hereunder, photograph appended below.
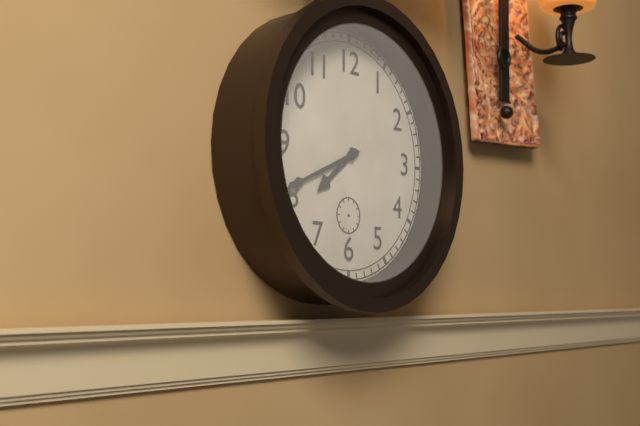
7:41
